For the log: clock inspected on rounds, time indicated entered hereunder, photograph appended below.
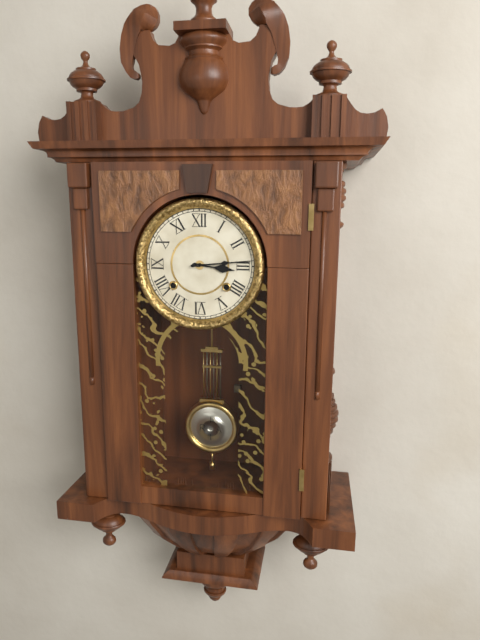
3:14
